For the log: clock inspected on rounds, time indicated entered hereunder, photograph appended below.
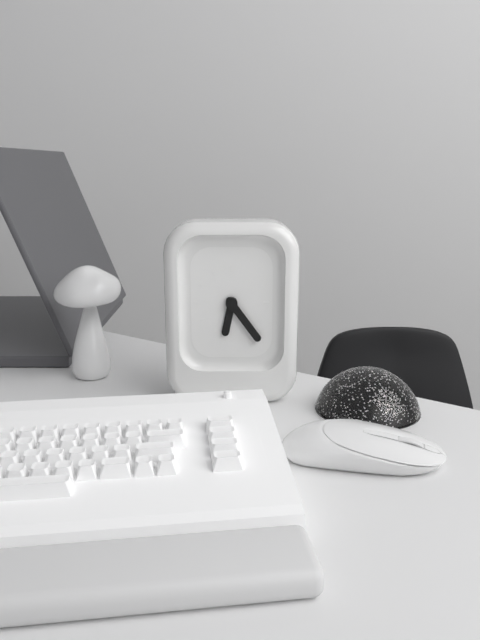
6:24
